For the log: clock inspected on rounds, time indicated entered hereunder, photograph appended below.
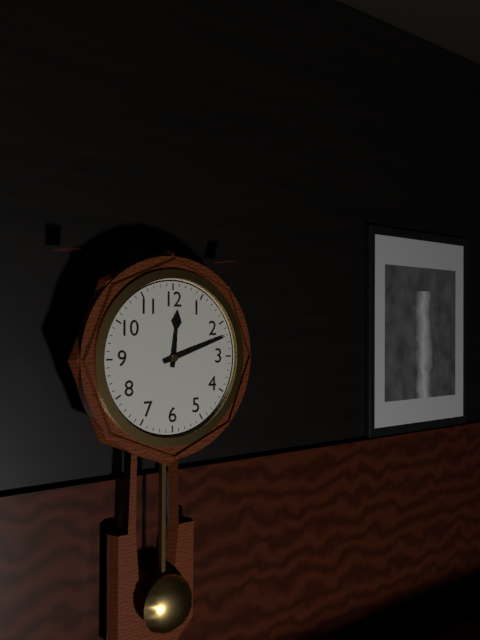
12:12
